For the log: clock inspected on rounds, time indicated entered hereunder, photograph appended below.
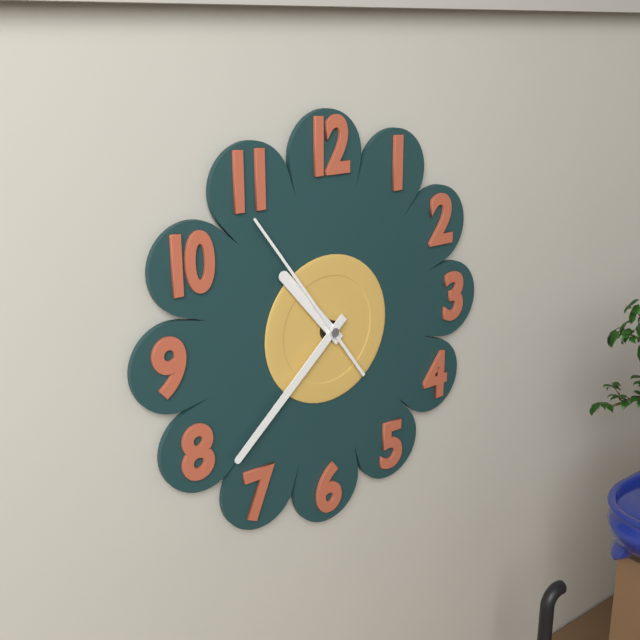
10:38:54
